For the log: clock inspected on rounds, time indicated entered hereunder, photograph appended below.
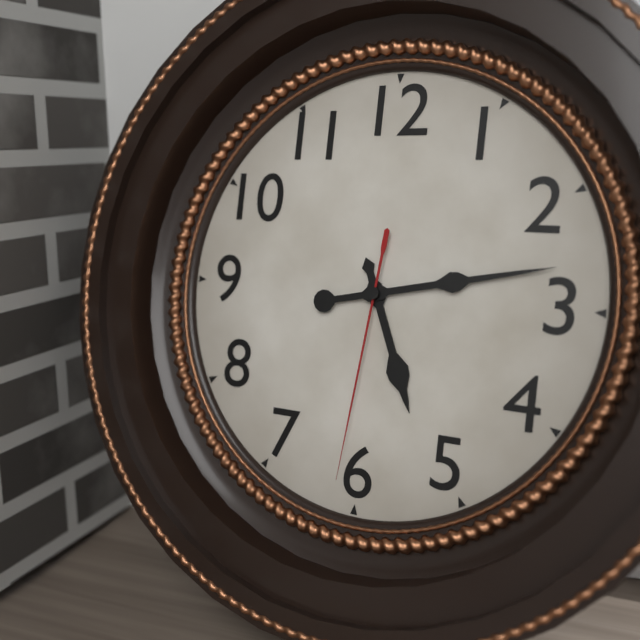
5:13:31
